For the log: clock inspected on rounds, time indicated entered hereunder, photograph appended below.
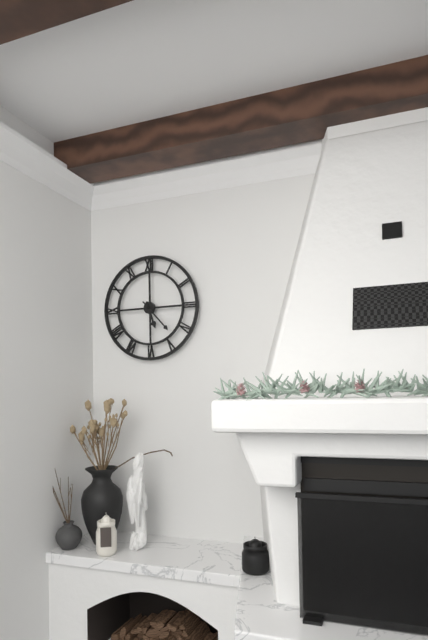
5:23
